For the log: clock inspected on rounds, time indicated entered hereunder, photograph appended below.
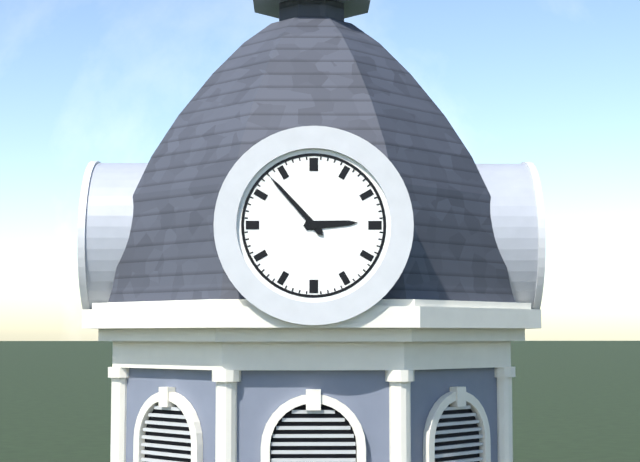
2:53
